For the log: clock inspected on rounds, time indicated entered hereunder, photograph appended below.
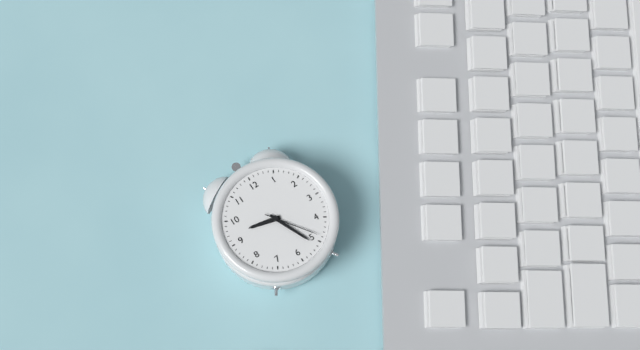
9:26:24
